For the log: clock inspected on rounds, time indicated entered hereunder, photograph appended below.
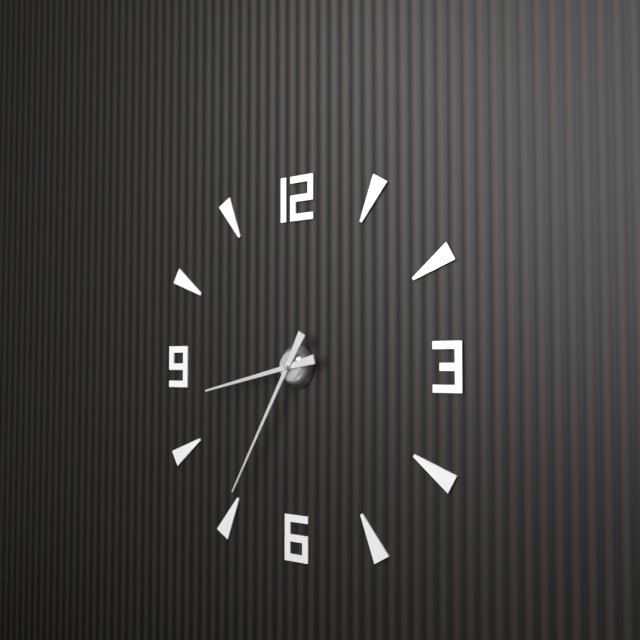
8:35
